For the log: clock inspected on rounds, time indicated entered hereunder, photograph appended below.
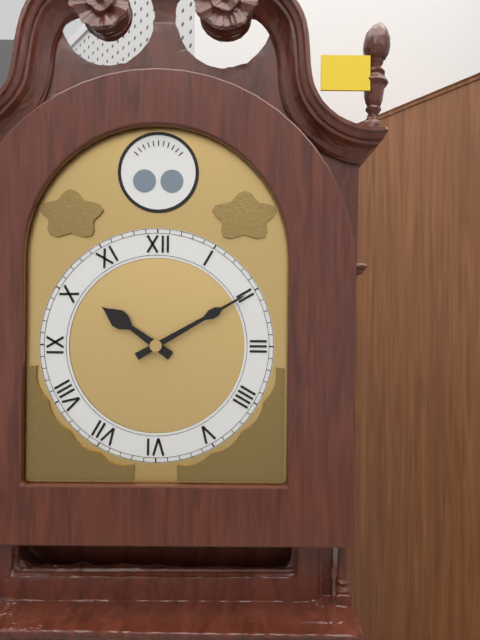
10:10
